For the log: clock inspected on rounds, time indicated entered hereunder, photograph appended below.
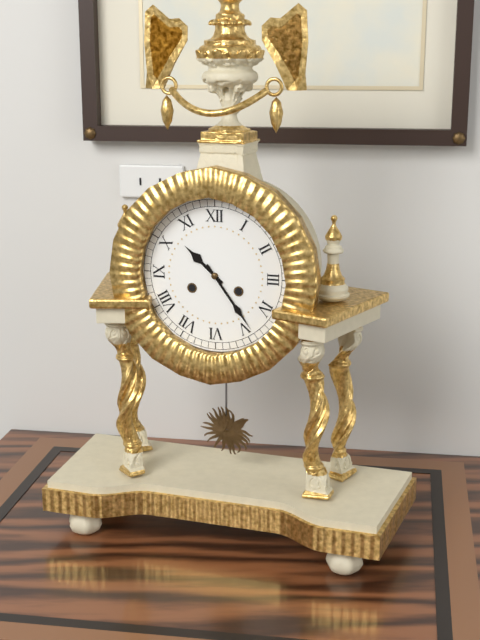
10:24
